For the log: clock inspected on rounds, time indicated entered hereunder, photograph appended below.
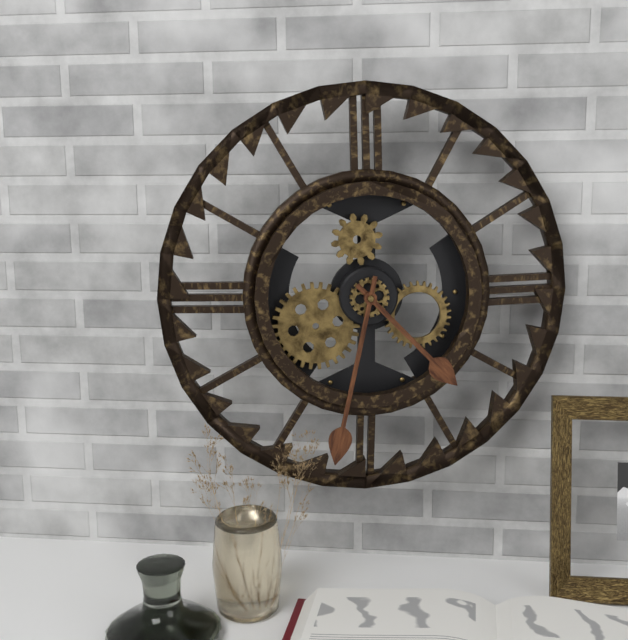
4:32
